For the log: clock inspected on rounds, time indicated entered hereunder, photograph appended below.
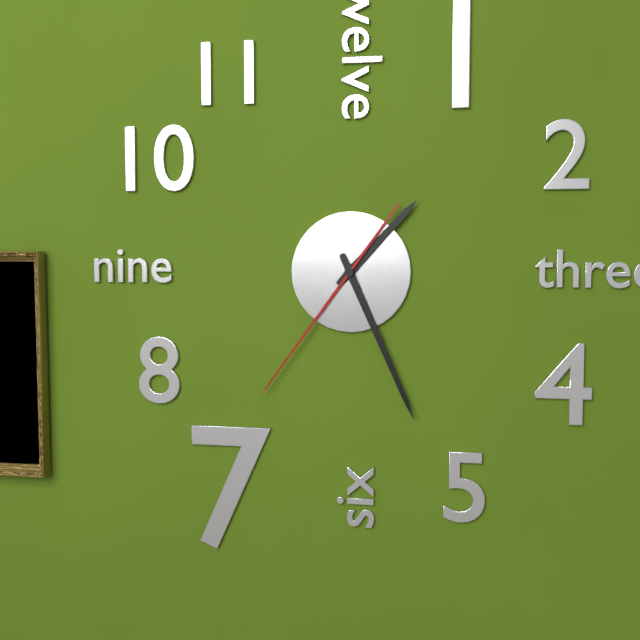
1:26:36
